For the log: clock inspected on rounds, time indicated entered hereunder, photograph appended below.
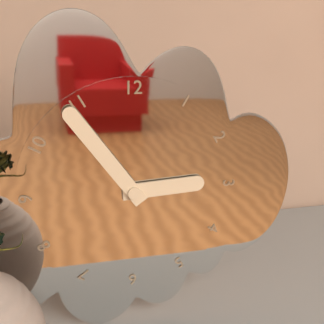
2:54
